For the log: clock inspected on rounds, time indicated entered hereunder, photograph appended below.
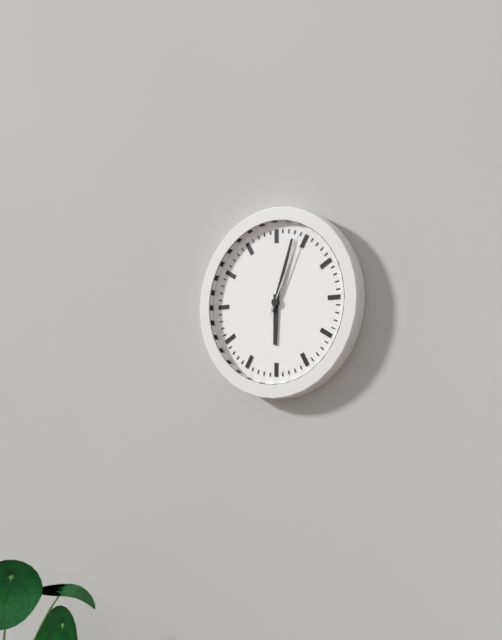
6:03:04
